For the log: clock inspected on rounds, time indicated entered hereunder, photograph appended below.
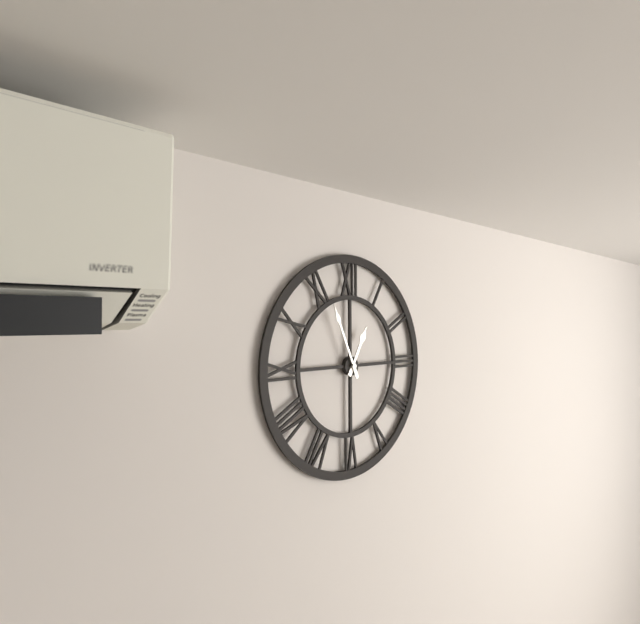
12:56
